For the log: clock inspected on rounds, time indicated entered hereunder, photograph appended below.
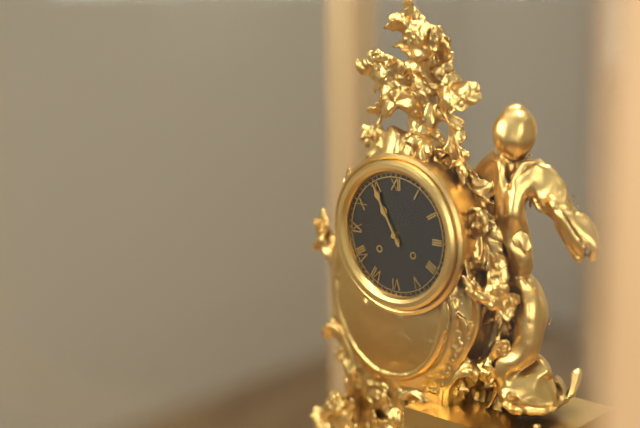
10:55
